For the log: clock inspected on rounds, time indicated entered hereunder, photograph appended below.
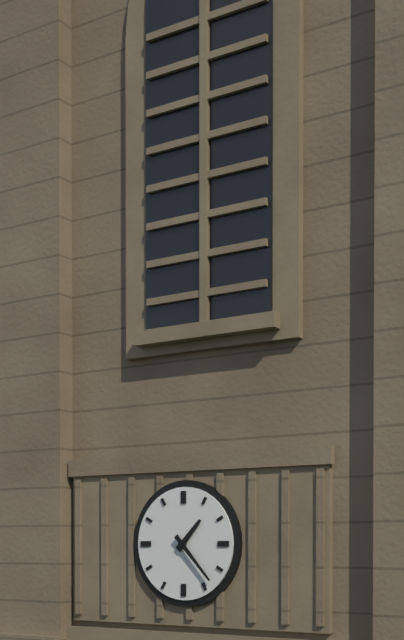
1:23
